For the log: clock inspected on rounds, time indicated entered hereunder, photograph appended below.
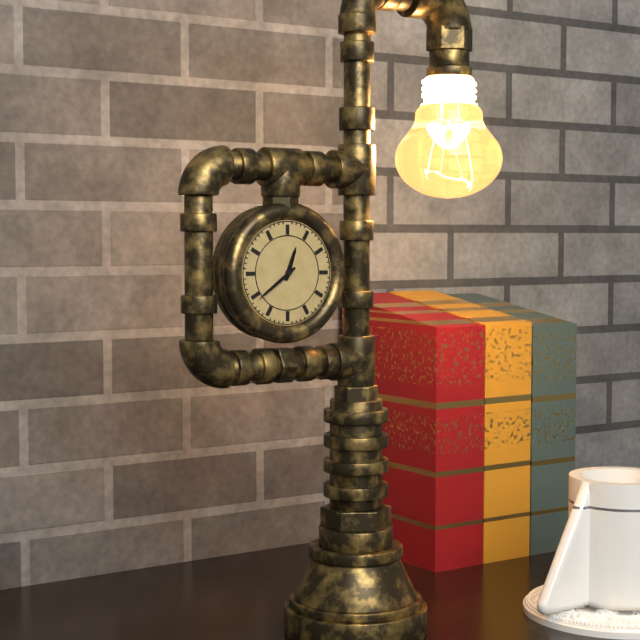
12:39
